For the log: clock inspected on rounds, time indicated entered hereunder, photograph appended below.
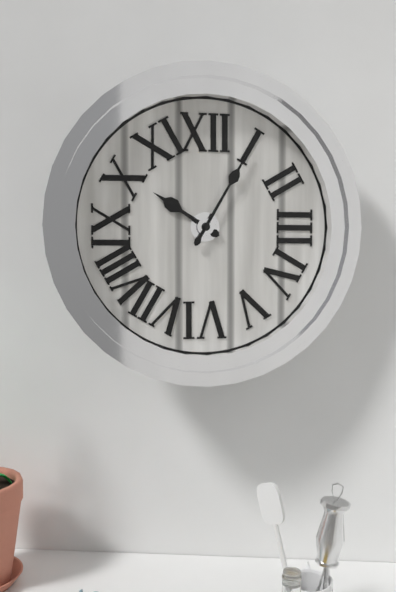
10:05
